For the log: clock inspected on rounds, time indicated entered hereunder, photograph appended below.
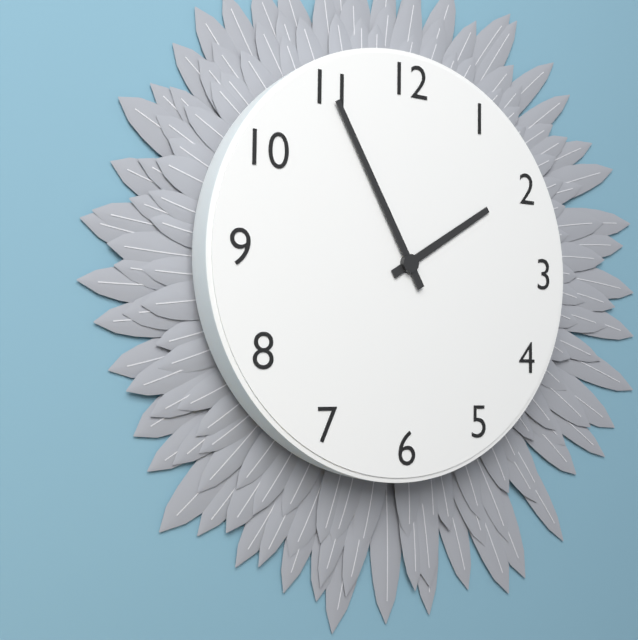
1:55
